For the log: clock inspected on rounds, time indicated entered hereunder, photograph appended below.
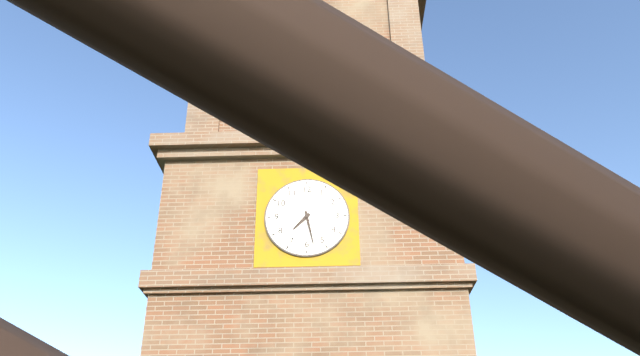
7:28
